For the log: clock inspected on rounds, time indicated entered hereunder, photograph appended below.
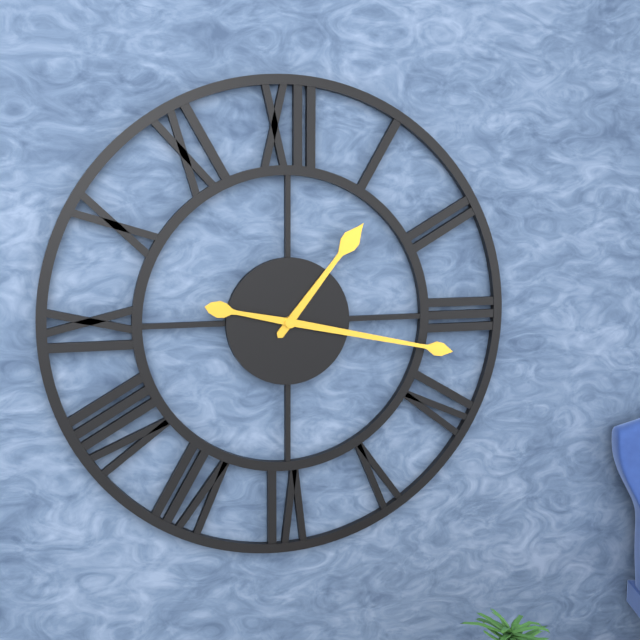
1:17
